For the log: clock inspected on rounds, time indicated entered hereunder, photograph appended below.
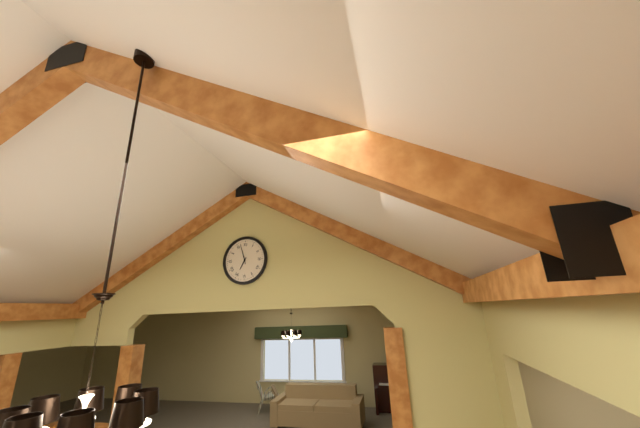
6:57
